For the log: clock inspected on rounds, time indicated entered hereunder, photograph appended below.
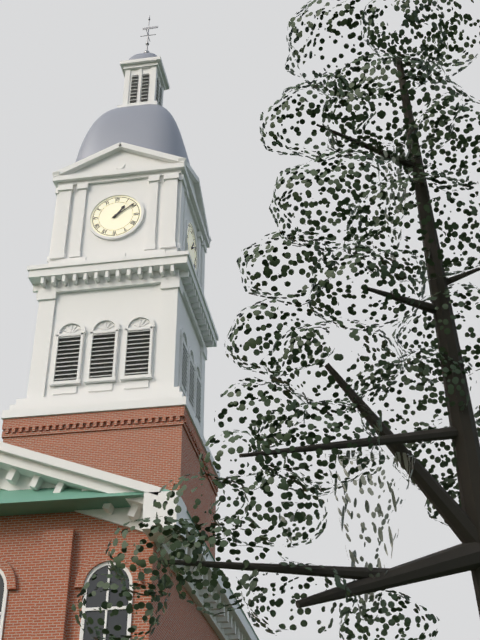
1:09
